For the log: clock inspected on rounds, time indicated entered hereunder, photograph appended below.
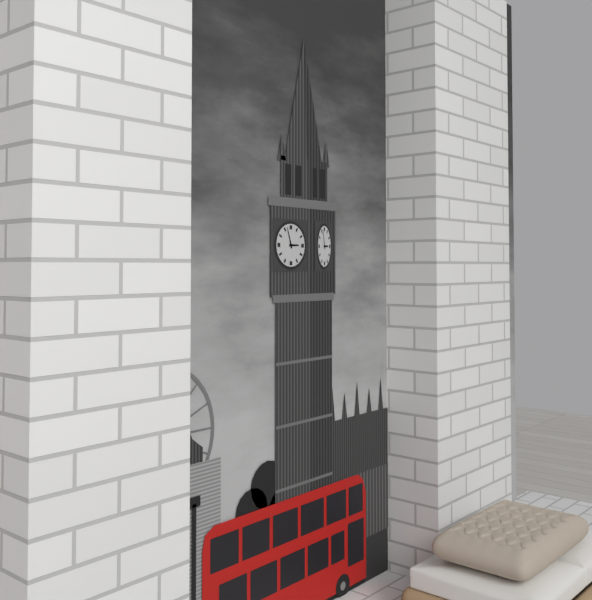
2:57
